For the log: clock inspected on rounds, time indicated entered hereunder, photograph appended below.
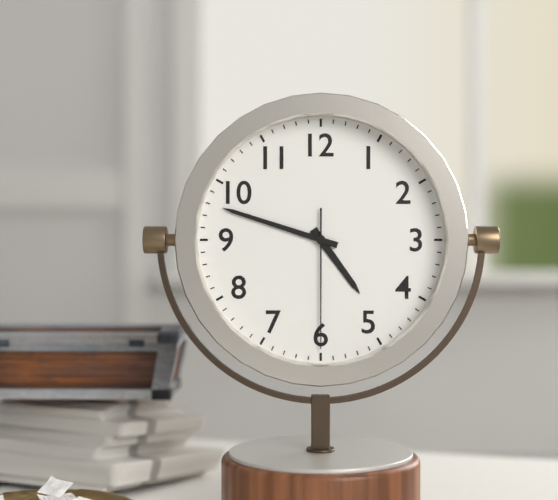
4:48:30
